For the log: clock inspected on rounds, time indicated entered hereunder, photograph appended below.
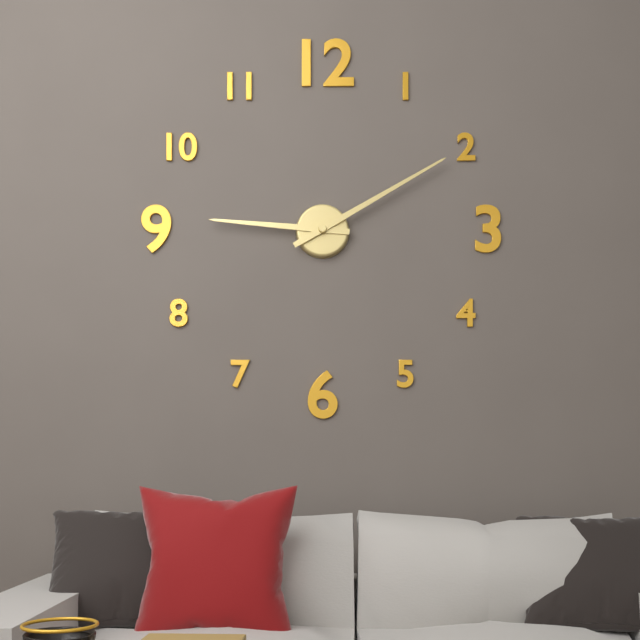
9:10
